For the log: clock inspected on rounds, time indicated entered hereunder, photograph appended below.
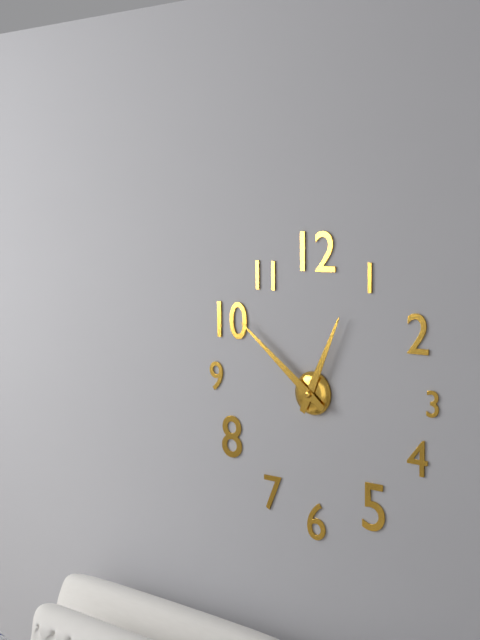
12:51
